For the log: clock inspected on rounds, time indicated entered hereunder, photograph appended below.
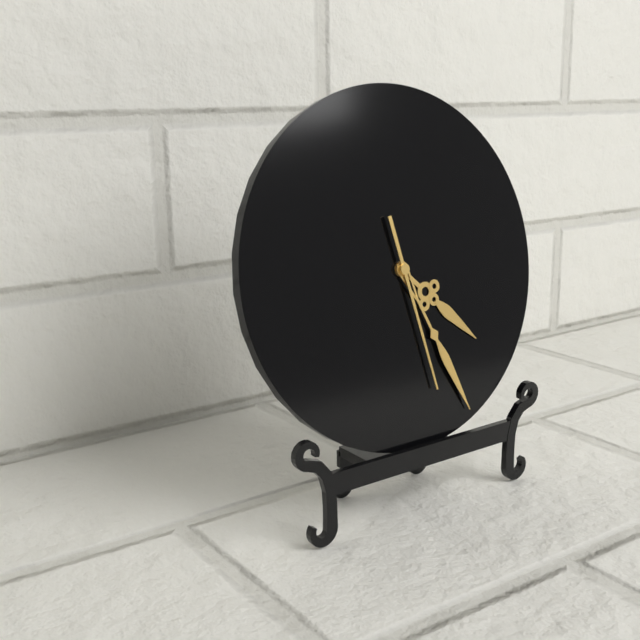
4:26:28
